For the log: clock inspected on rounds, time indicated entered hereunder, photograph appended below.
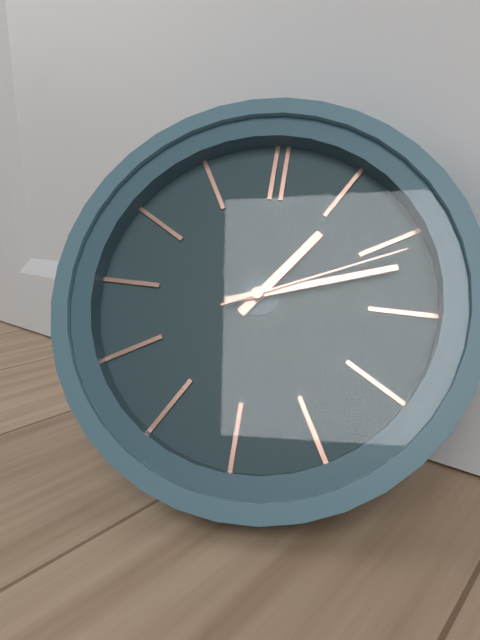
1:12:11
